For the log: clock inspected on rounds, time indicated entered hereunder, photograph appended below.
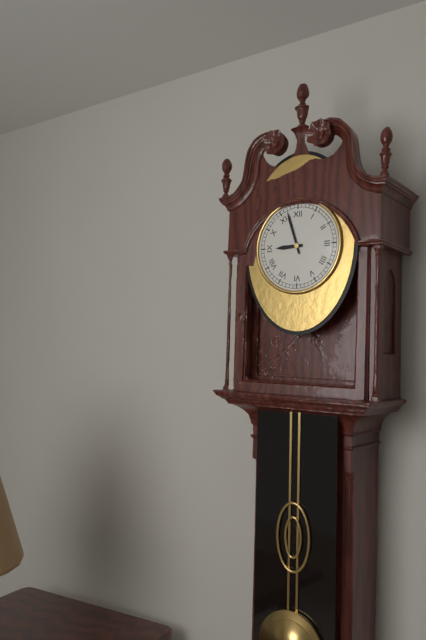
8:57
